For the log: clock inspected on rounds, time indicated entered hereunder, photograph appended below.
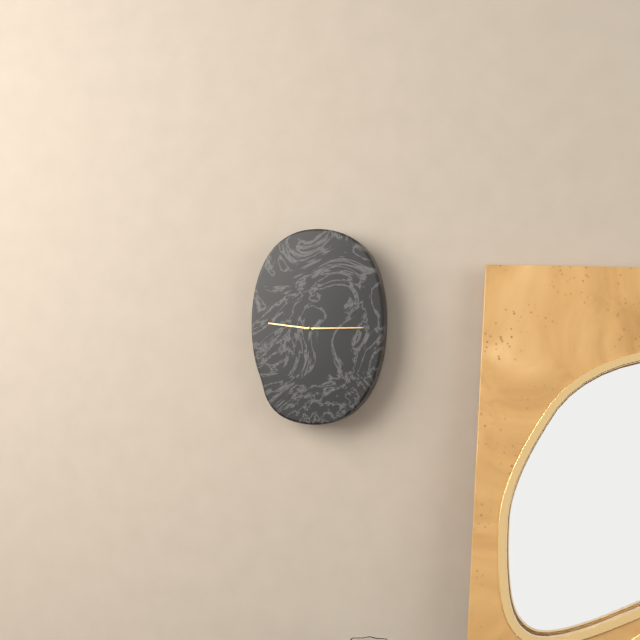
9:15
